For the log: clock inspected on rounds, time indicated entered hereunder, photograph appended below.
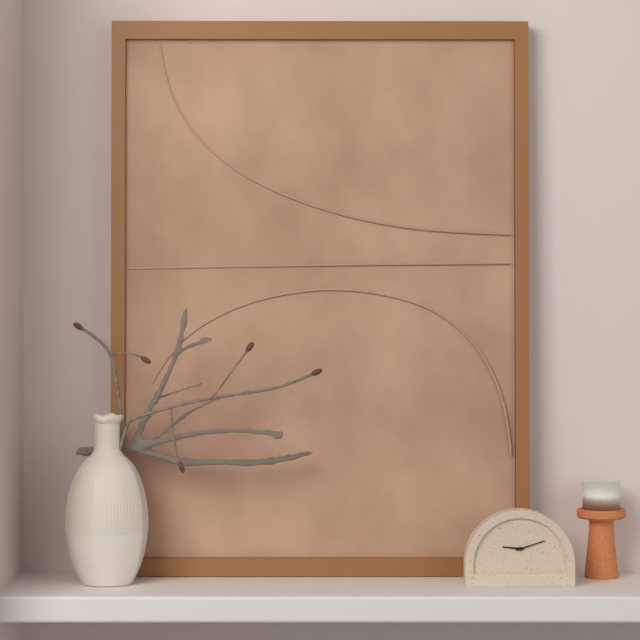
9:12
